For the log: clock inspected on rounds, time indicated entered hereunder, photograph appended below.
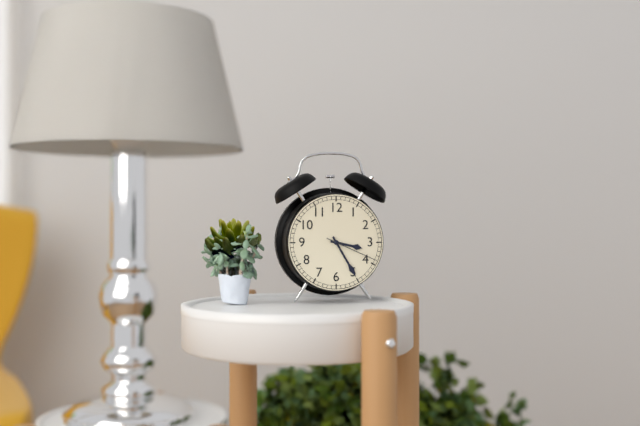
3:25:19
